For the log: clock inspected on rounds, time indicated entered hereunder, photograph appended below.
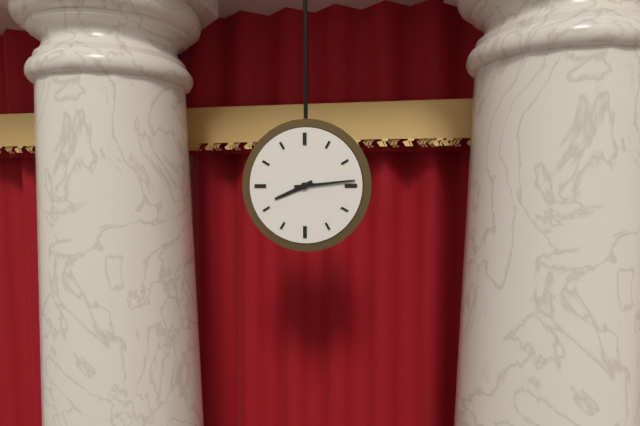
8:14
